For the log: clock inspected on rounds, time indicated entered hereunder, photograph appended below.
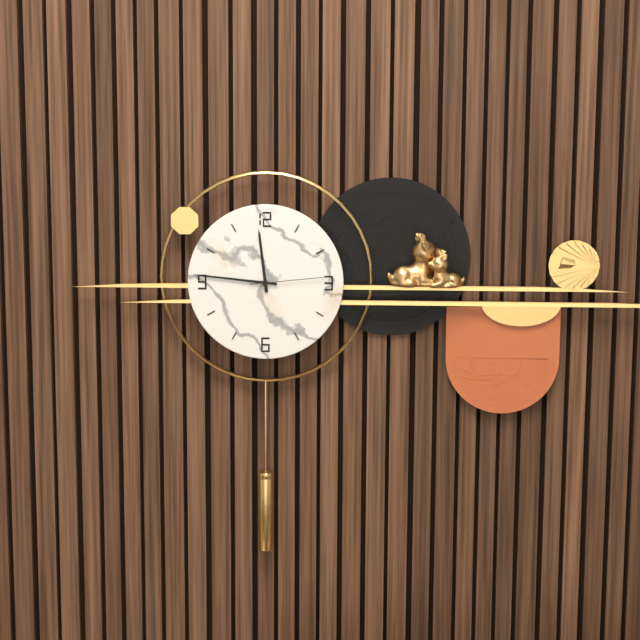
11:46:14
